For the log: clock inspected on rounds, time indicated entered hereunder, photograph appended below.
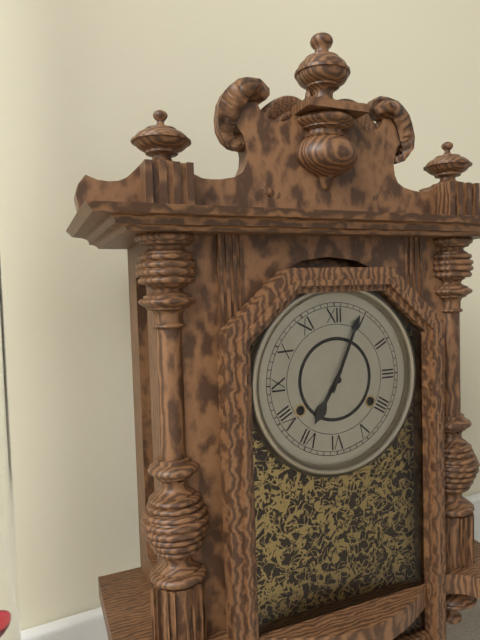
7:04
